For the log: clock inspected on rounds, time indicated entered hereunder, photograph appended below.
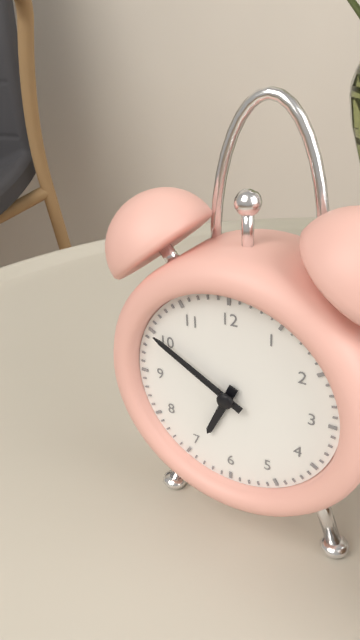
6:50
